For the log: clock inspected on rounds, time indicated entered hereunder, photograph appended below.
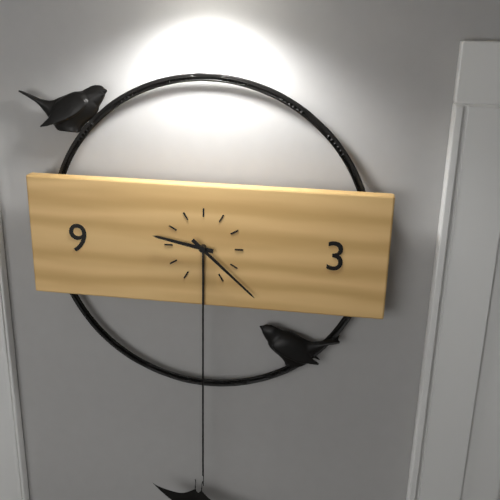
9:22
